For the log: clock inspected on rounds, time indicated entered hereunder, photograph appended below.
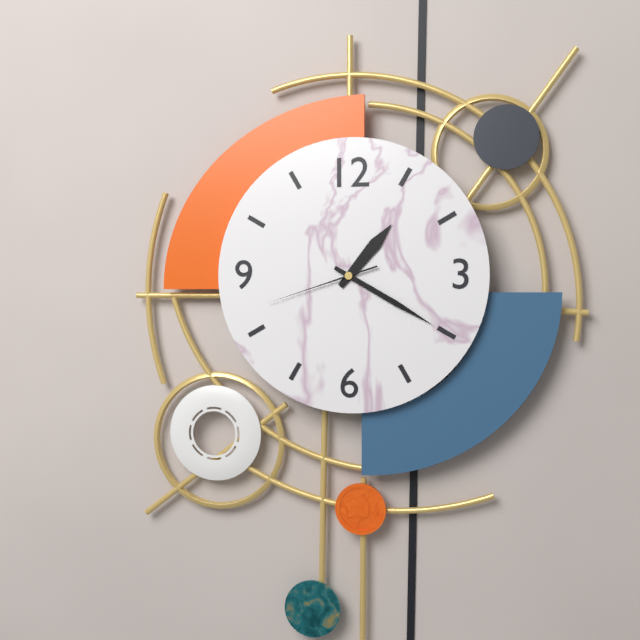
1:20:42
